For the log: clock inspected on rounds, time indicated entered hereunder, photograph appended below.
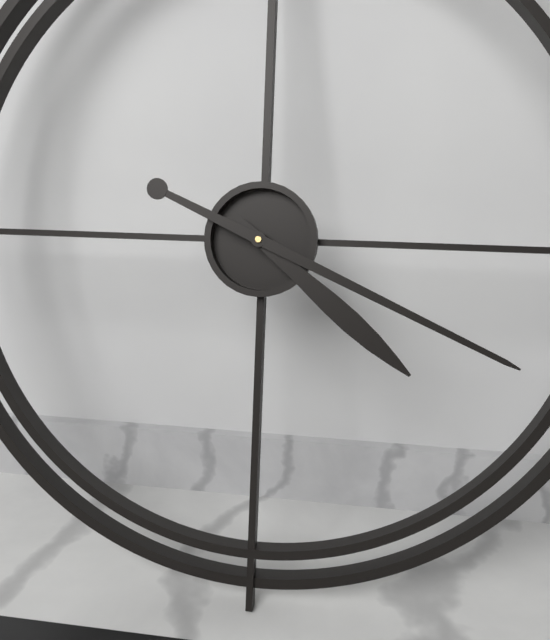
4:19
